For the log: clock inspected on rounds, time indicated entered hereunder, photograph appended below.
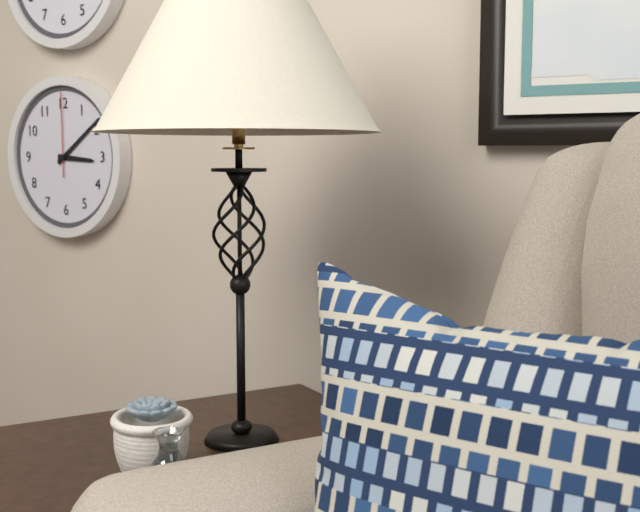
3:09:00
